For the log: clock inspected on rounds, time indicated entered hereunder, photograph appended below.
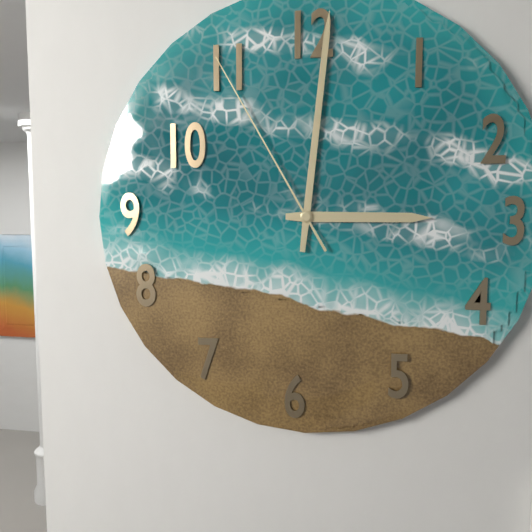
3:01:55
